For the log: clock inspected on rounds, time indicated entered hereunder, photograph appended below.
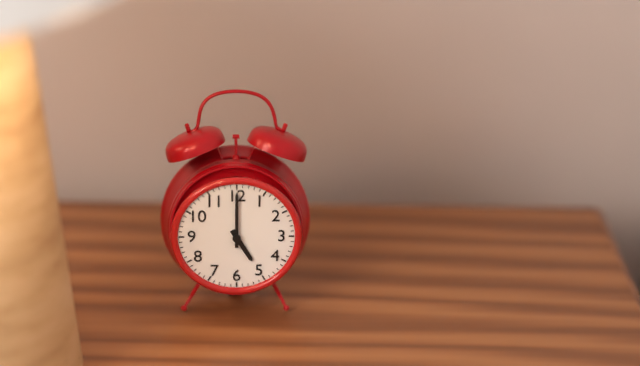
5:00
